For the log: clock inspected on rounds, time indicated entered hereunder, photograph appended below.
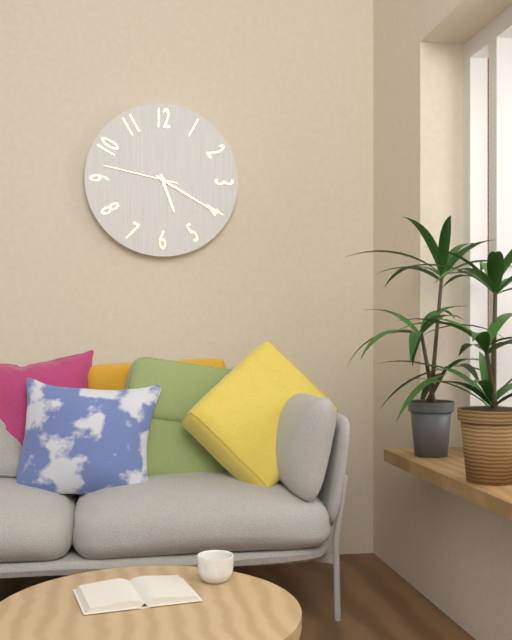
5:20:47
